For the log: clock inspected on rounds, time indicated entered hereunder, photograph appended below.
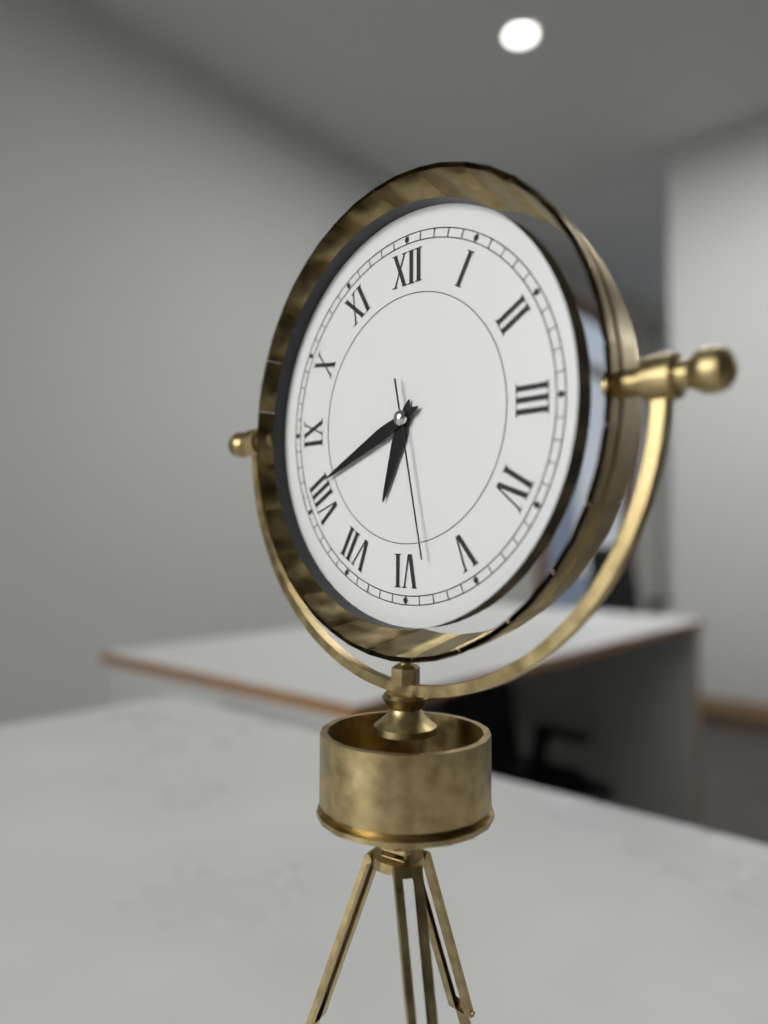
6:41:28
